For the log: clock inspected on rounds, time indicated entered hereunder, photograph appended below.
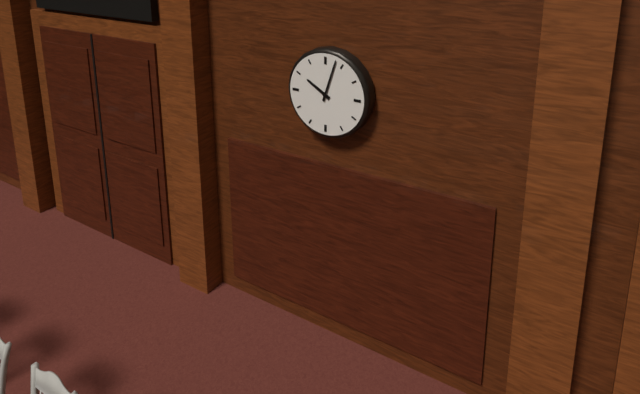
10:03
